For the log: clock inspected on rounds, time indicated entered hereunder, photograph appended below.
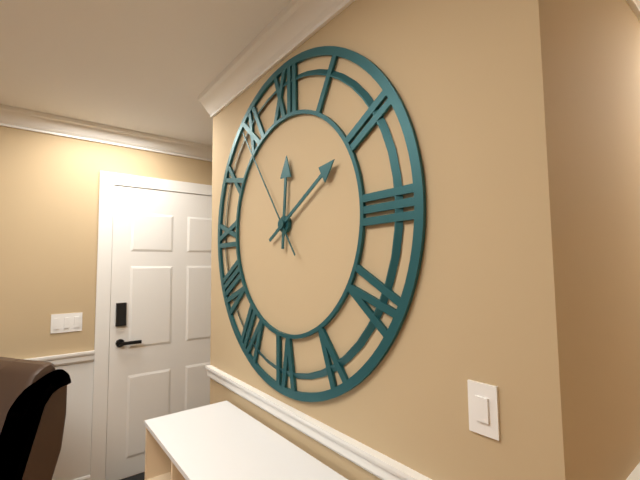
12:10:54
